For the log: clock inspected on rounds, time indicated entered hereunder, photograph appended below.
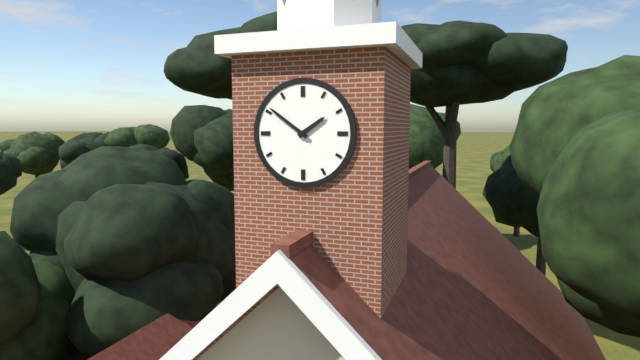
1:51
